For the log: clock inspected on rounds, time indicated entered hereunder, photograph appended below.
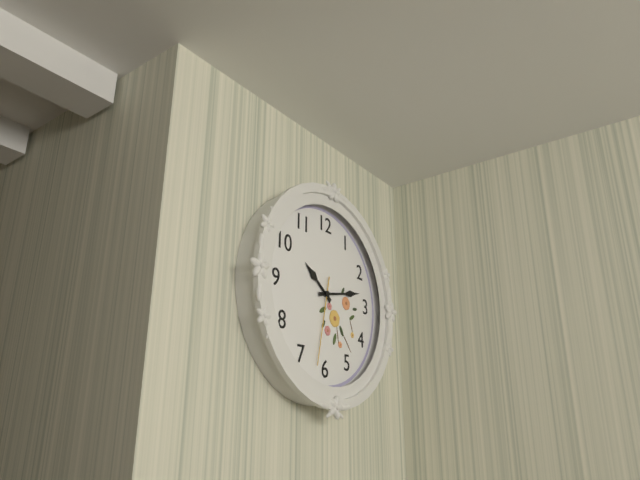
10:13:32
